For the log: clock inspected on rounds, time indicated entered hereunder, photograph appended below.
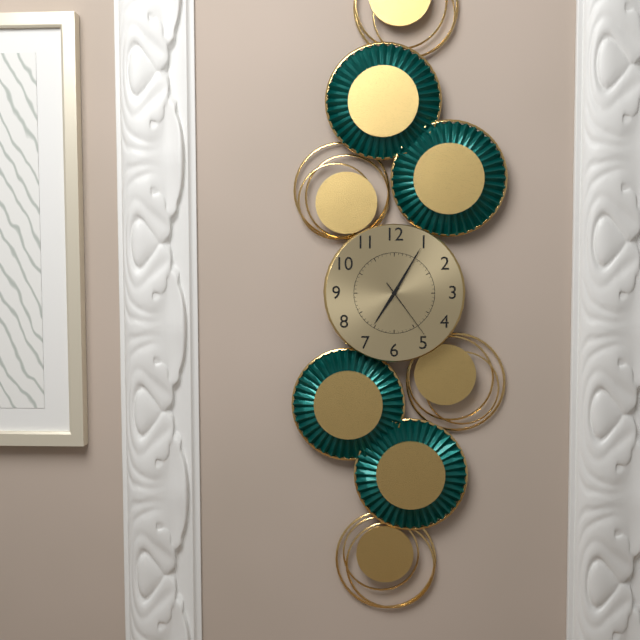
7:05:24
